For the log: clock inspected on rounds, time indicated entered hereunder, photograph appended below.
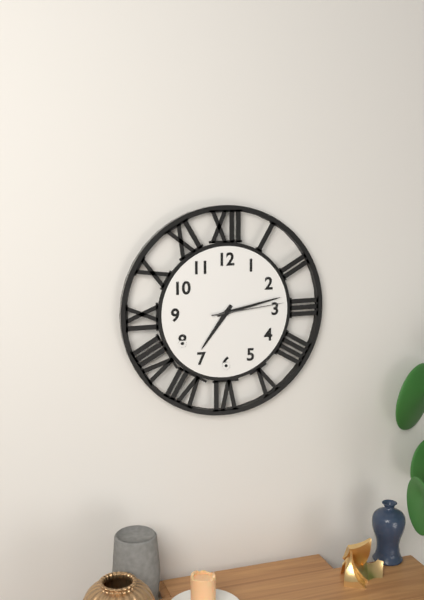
7:13:14
